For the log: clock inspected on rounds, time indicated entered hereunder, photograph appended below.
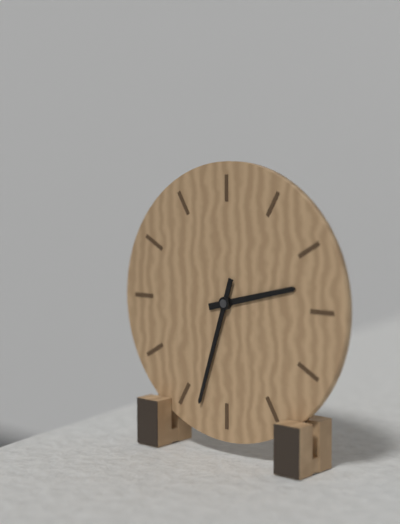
2:33
